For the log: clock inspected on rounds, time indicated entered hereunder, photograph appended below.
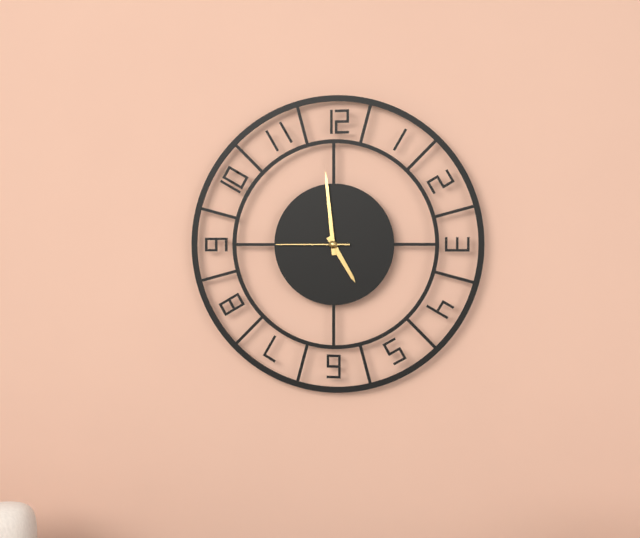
4:59:45
